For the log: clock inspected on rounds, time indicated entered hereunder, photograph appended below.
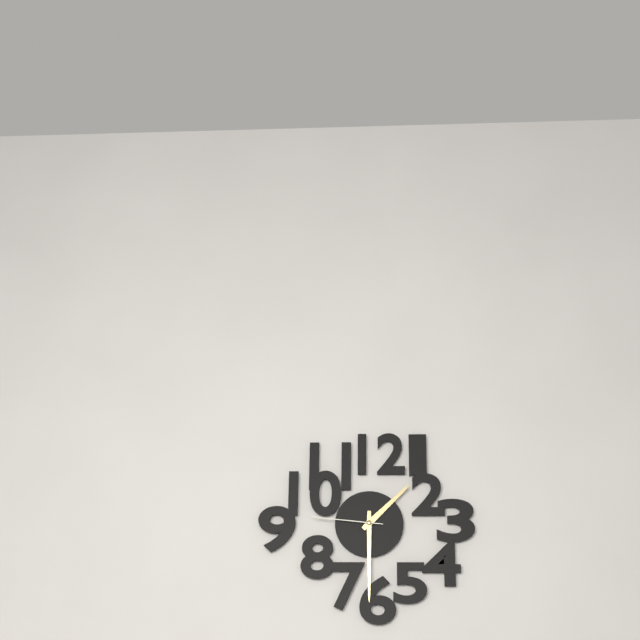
1:30:46
